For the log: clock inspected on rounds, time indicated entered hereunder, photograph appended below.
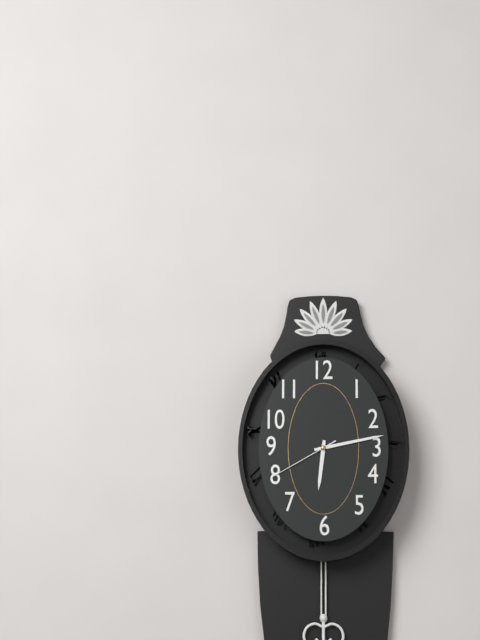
6:13:40
